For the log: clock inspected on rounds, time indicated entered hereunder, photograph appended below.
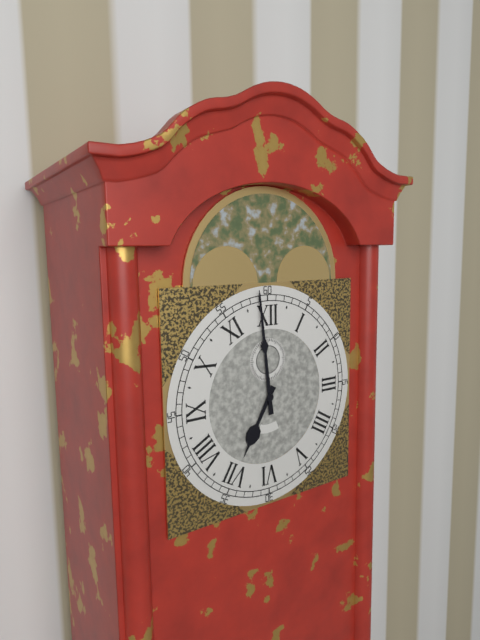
6:59
